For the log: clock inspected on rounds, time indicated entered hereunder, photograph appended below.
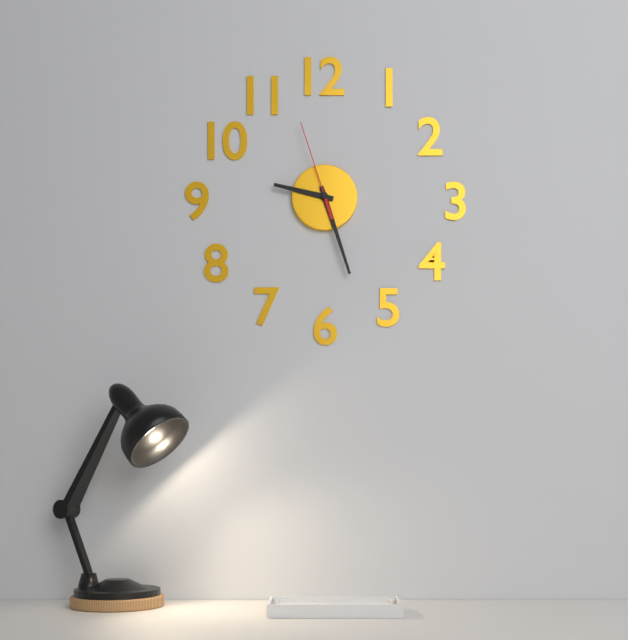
9:27:57
